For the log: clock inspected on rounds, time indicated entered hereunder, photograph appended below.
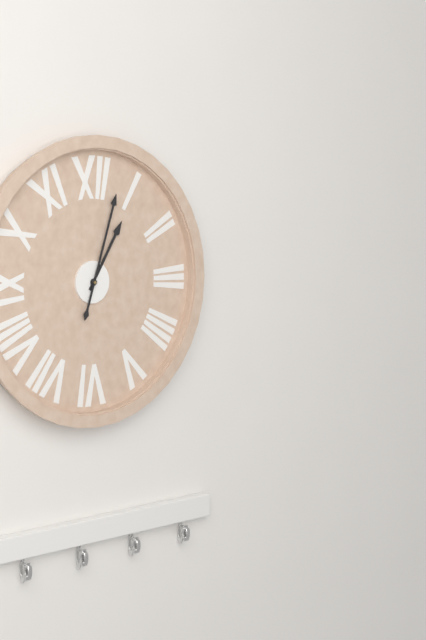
1:03
